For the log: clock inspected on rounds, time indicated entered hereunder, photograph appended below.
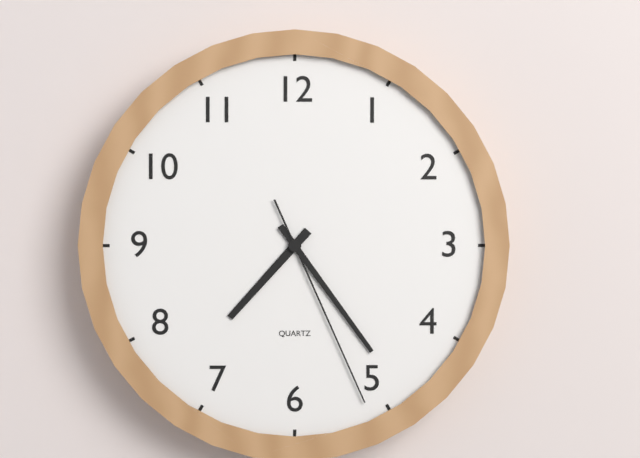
7:24:26
